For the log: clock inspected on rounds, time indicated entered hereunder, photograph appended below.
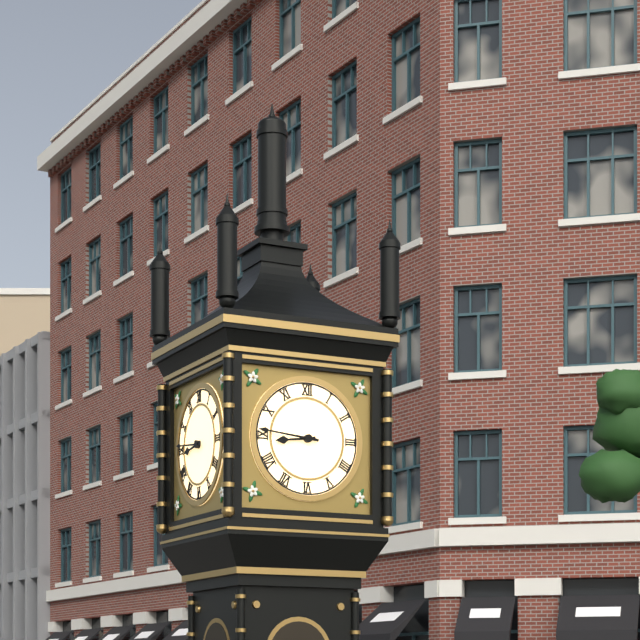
8:46
